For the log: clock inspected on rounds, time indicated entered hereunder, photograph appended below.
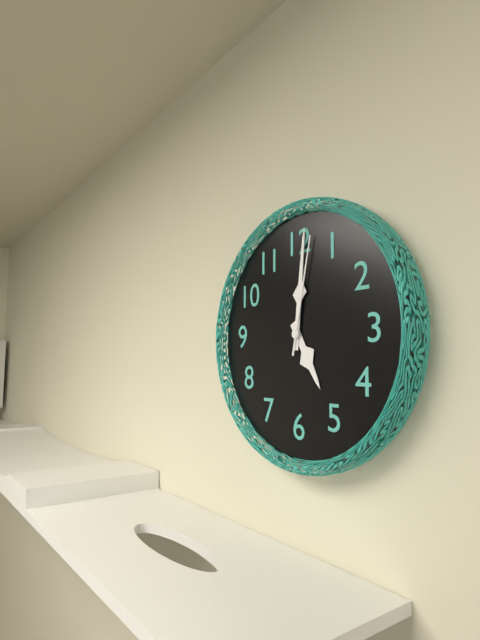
5:01:02
